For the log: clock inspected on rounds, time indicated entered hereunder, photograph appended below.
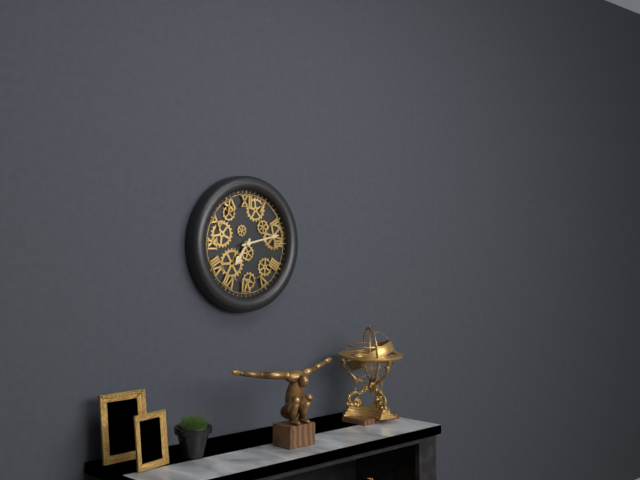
7:13
